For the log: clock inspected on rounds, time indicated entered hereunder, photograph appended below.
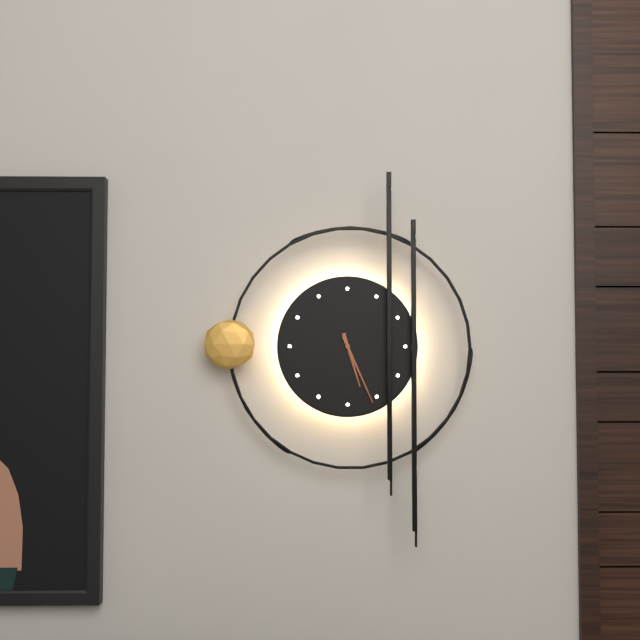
5:26
